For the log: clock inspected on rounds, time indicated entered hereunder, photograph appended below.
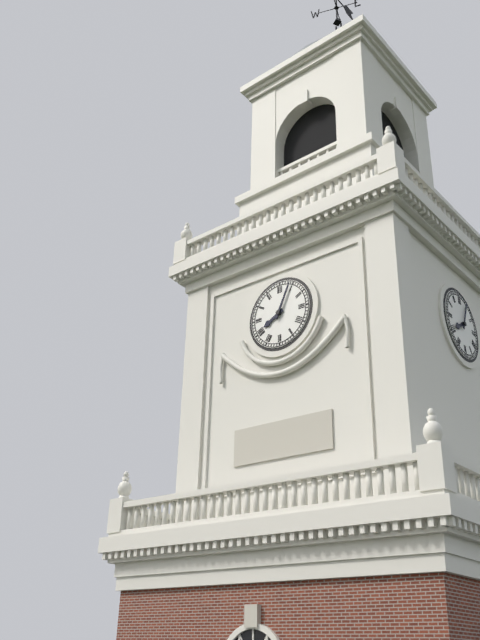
8:04
